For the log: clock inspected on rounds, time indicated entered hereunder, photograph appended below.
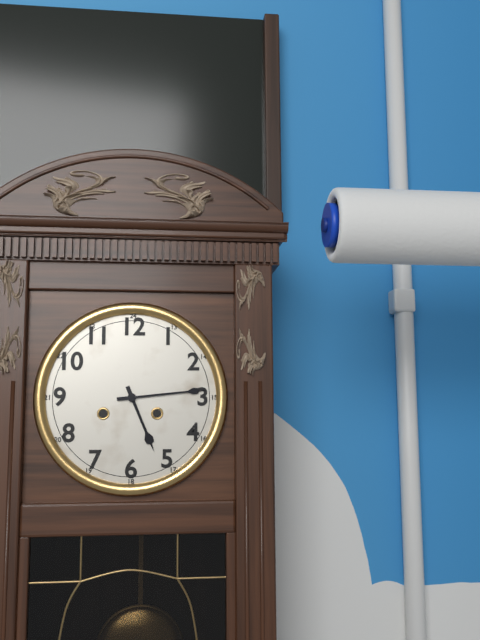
5:14
